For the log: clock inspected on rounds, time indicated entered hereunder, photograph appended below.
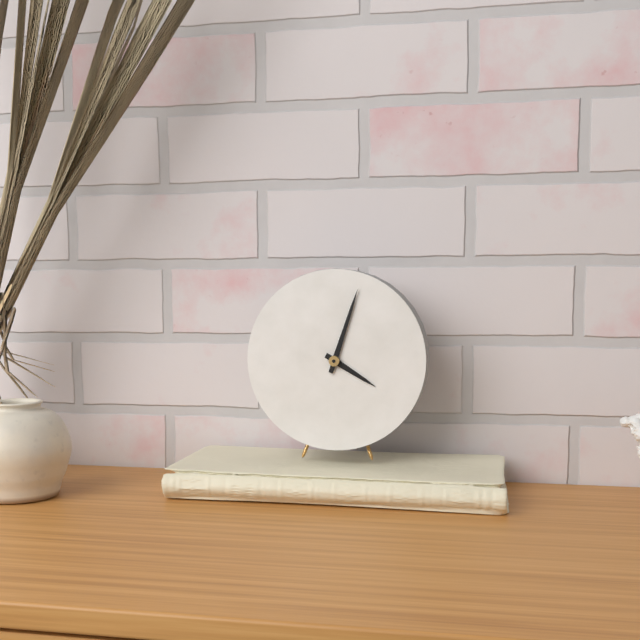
4:03
